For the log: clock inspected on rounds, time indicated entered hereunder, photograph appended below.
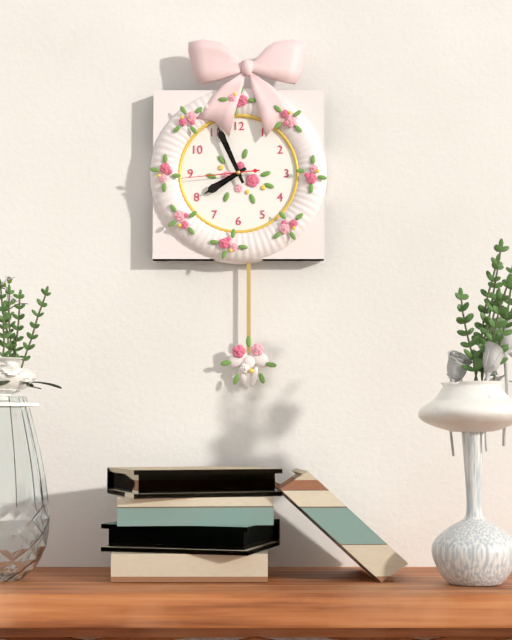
7:56:44
